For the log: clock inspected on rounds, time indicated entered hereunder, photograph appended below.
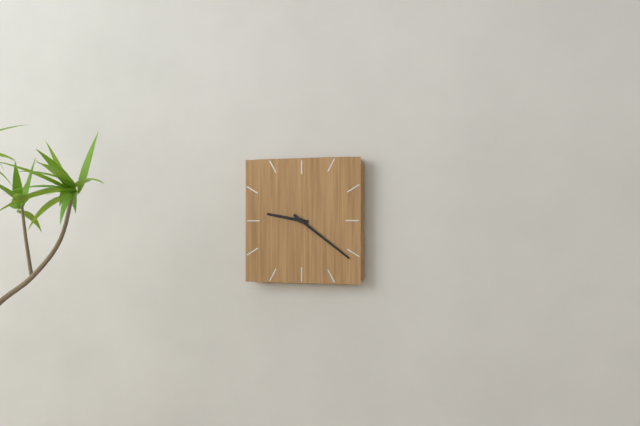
9:21
